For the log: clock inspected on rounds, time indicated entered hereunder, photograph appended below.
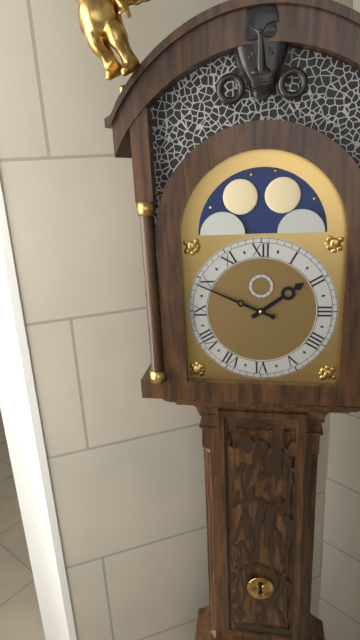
1:49
